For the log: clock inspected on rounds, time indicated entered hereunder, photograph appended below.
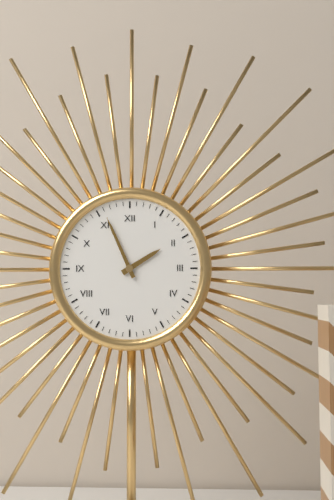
1:56
